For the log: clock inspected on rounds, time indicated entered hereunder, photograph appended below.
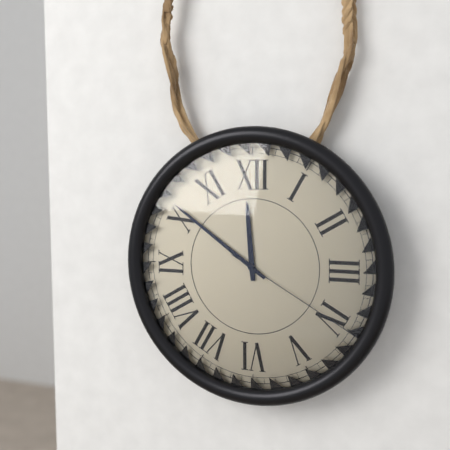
11:51:20
